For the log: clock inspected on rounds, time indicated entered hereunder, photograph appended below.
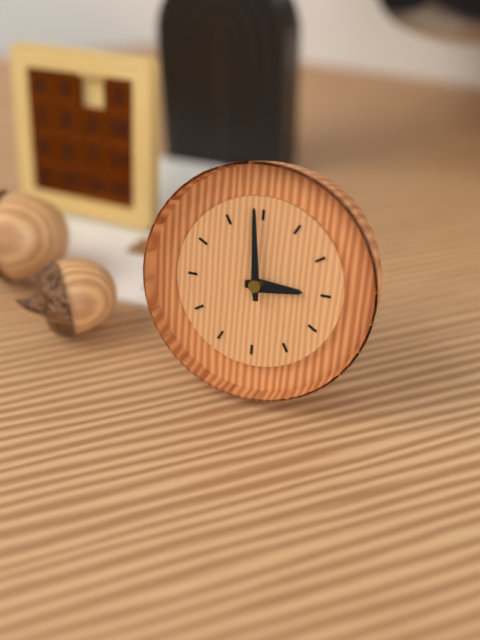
2:59
